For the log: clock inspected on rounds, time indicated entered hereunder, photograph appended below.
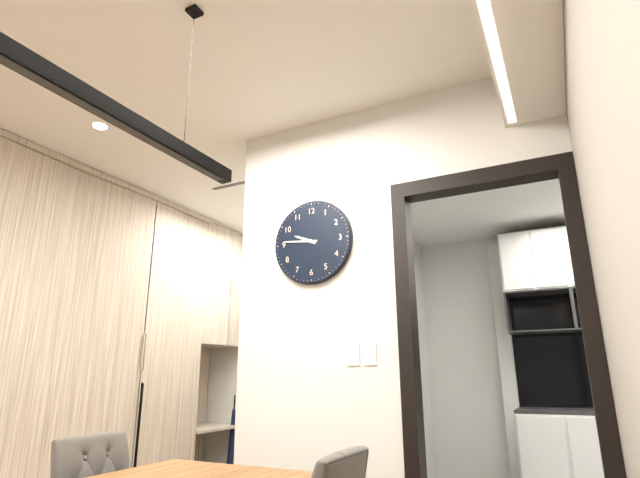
9:46
